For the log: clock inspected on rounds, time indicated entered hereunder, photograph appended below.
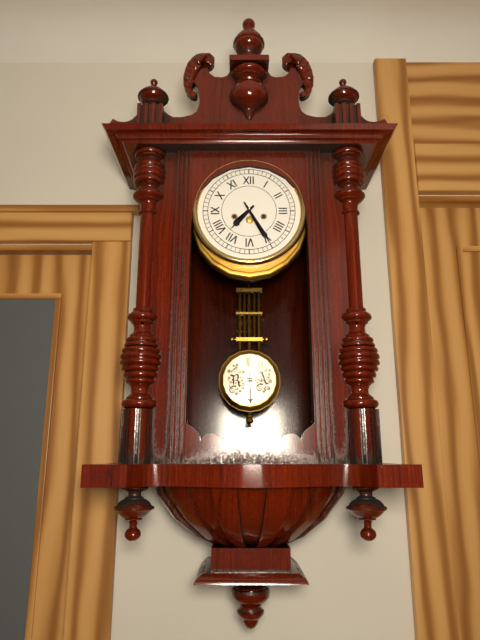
7:25
